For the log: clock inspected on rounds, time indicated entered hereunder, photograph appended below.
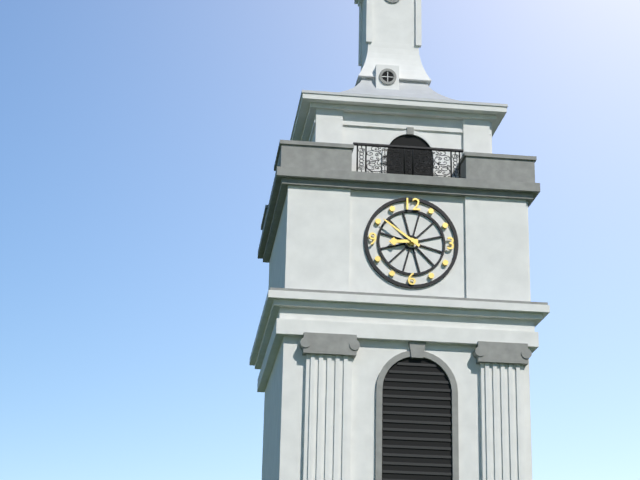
8:51
